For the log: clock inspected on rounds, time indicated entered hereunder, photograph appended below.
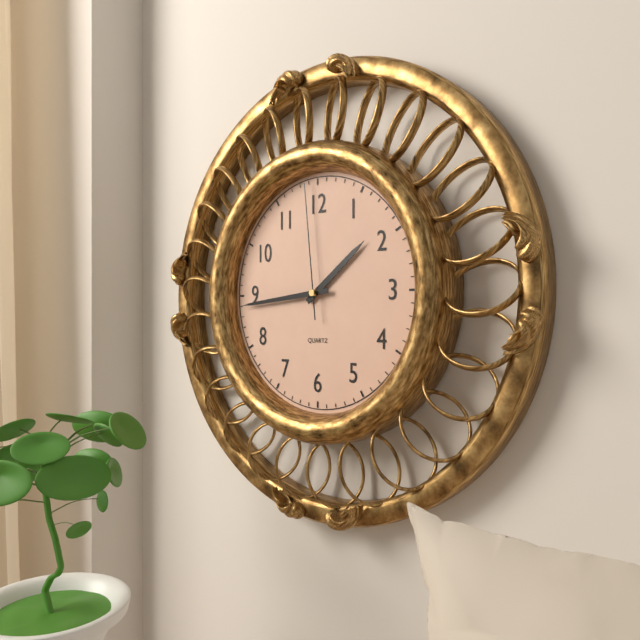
1:44:59
